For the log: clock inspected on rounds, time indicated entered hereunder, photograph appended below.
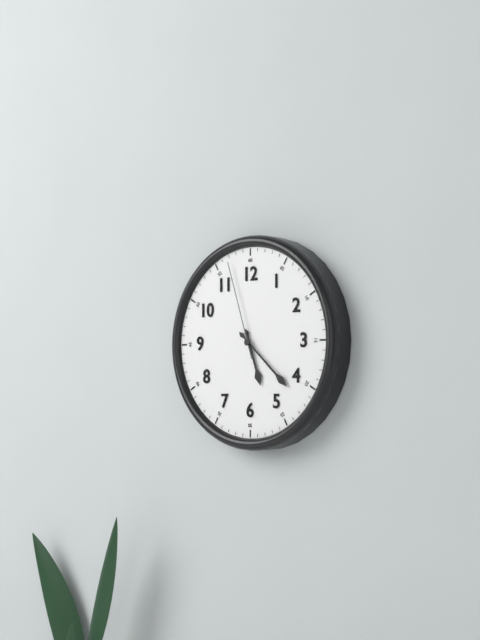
5:22:57
